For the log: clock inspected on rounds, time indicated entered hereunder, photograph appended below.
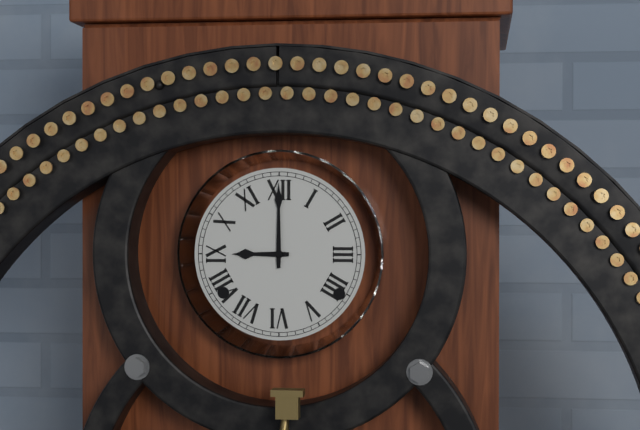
9:00
